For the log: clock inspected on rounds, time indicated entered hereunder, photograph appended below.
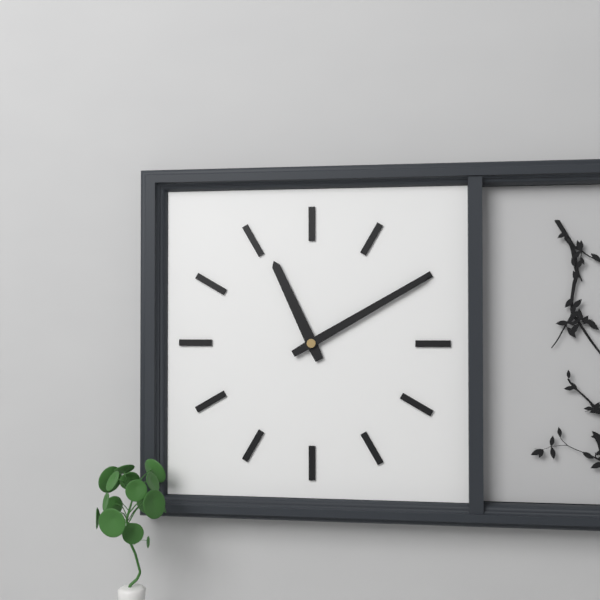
11:10
